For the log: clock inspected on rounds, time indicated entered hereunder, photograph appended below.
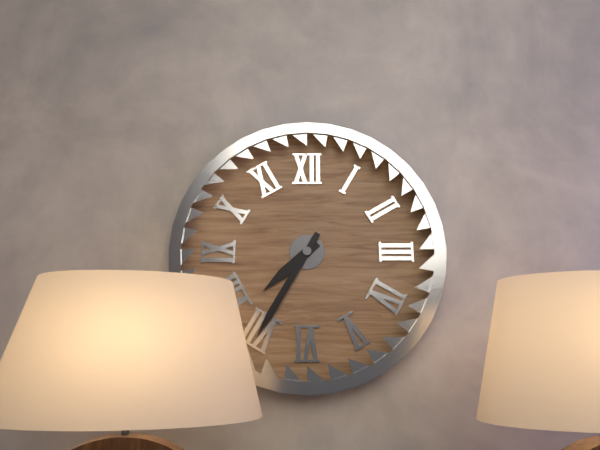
7:35
